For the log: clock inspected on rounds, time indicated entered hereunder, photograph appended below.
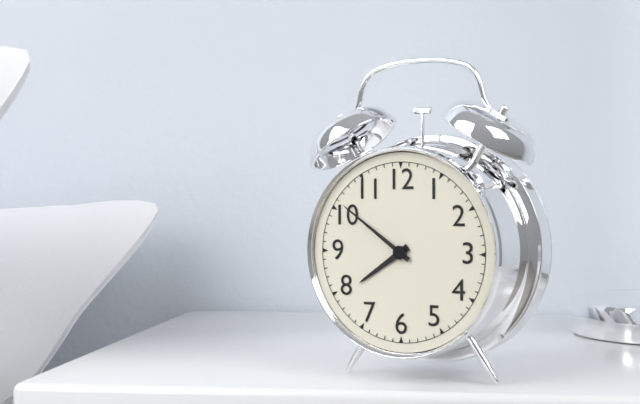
7:51
